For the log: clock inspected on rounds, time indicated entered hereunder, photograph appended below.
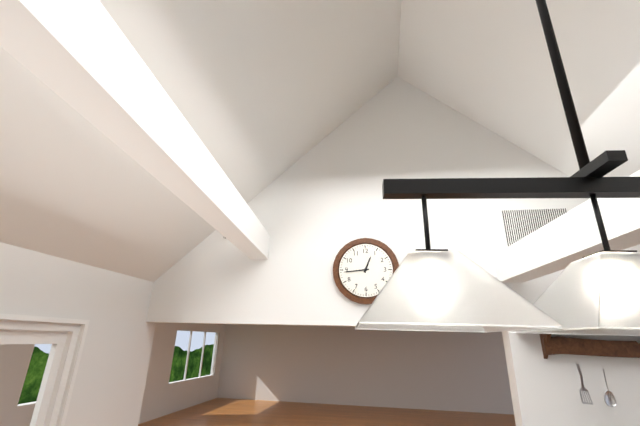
12:44
